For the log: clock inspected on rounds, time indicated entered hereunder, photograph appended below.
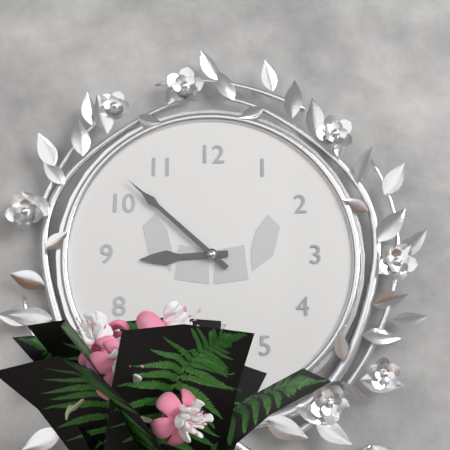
8:52
